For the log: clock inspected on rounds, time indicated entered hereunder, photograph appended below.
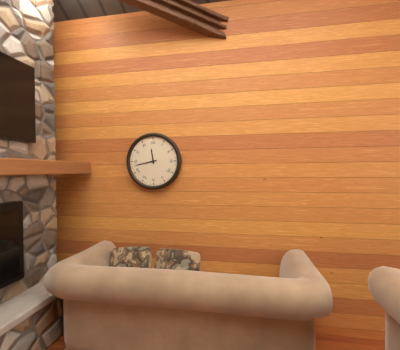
11:43
